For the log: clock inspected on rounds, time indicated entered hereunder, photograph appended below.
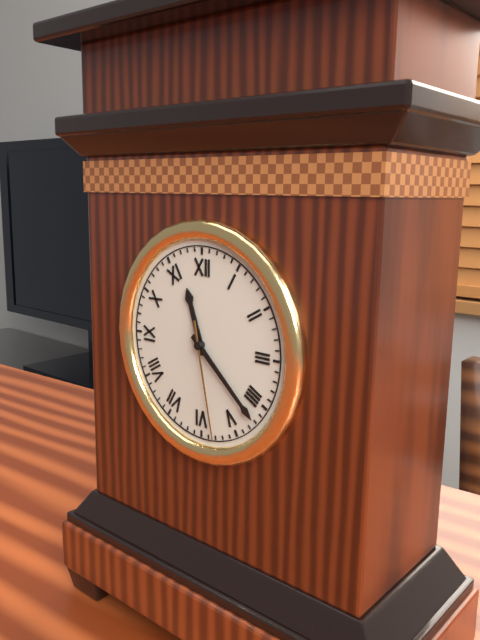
11:22:28
